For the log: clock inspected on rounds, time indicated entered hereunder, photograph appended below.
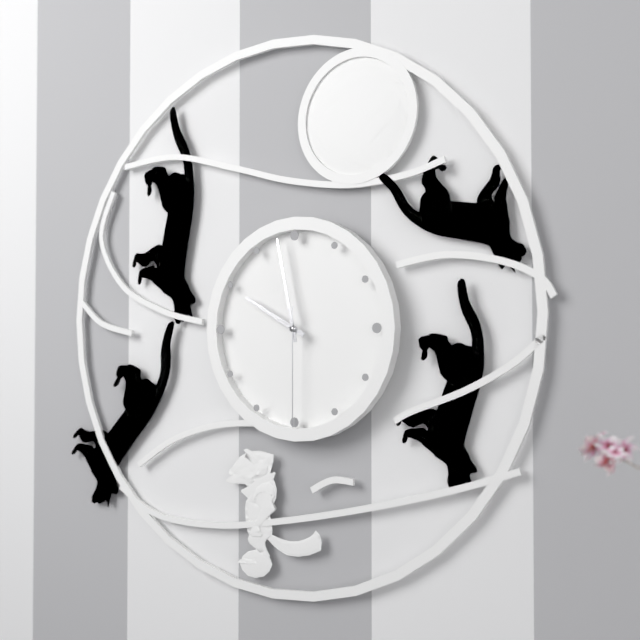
9:58:30
